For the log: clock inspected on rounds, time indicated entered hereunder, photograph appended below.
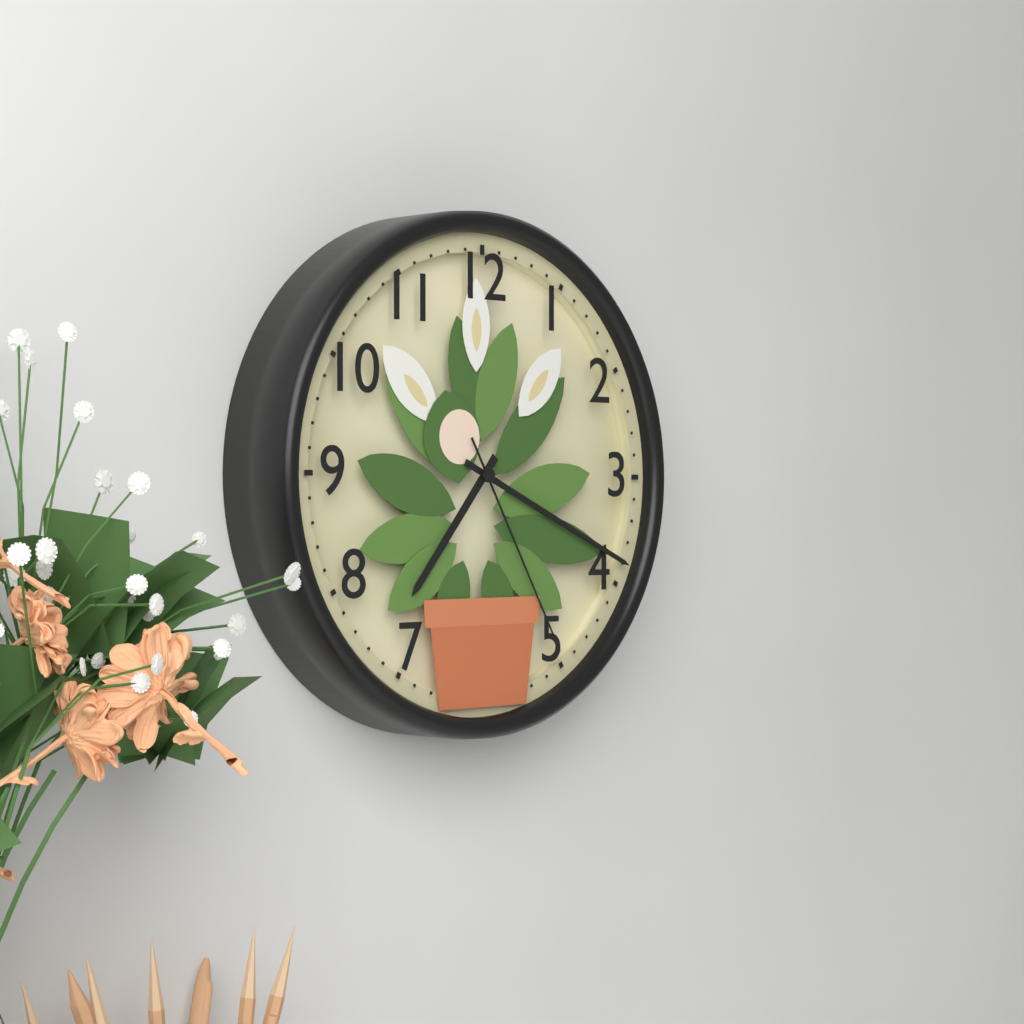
7:19:25
